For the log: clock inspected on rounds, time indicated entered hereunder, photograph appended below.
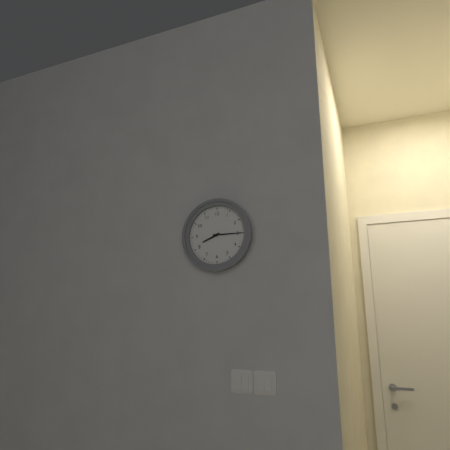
8:15
